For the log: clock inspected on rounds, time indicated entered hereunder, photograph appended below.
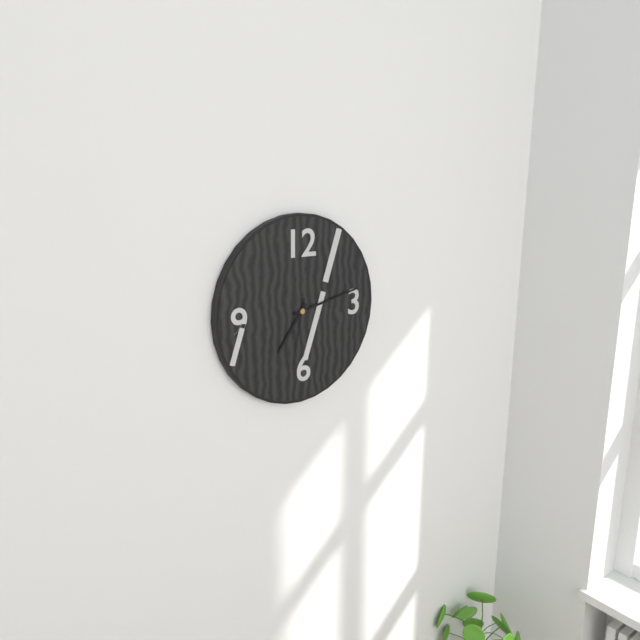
7:13:32
